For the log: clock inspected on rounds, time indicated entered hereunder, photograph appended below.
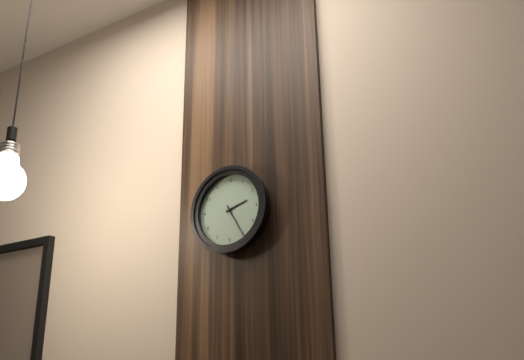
2:25
